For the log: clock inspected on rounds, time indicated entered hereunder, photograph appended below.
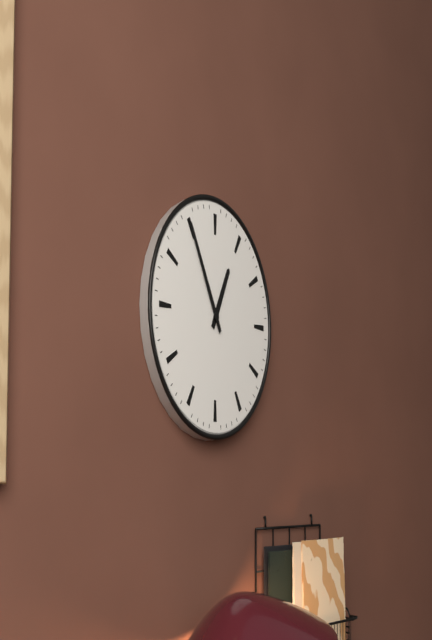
12:55
